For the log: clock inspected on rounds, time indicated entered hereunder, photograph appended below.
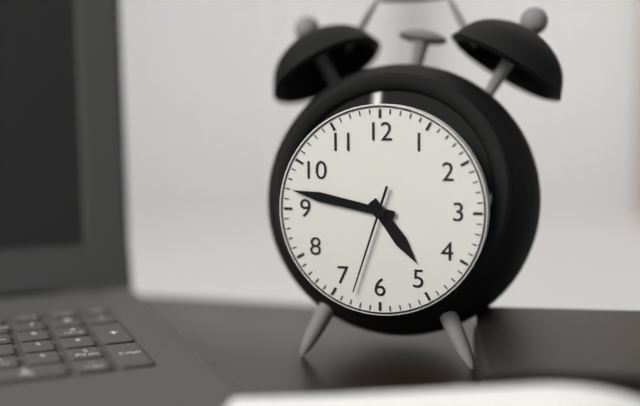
4:47:33
